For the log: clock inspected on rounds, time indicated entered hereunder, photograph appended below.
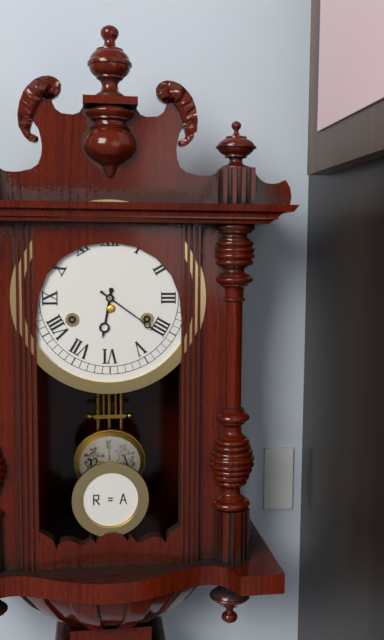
6:21
